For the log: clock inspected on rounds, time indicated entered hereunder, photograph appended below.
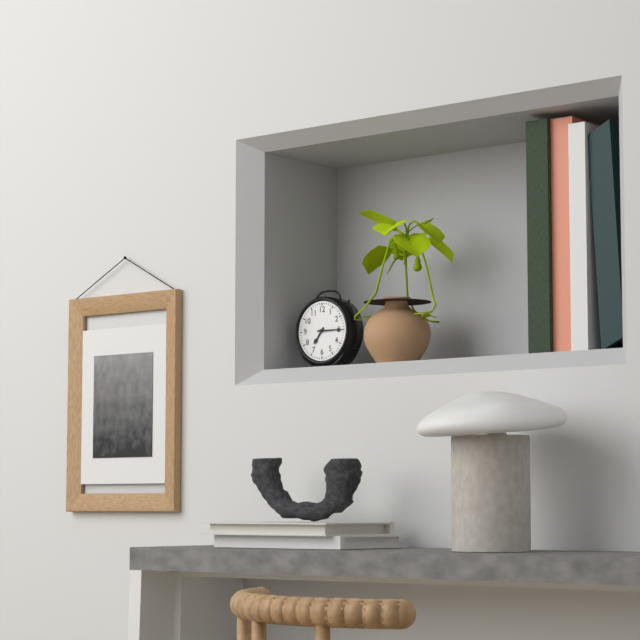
7:15
